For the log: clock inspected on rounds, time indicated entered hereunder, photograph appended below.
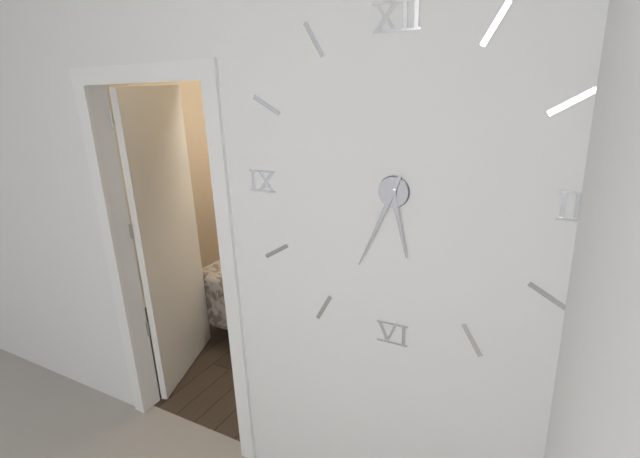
5:34
